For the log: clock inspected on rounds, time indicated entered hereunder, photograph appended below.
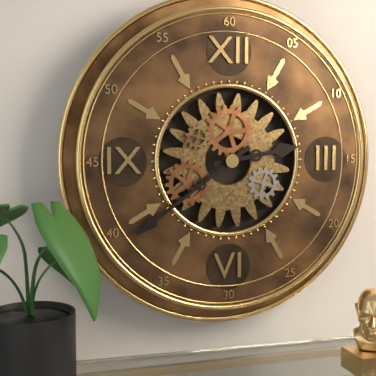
2:39
